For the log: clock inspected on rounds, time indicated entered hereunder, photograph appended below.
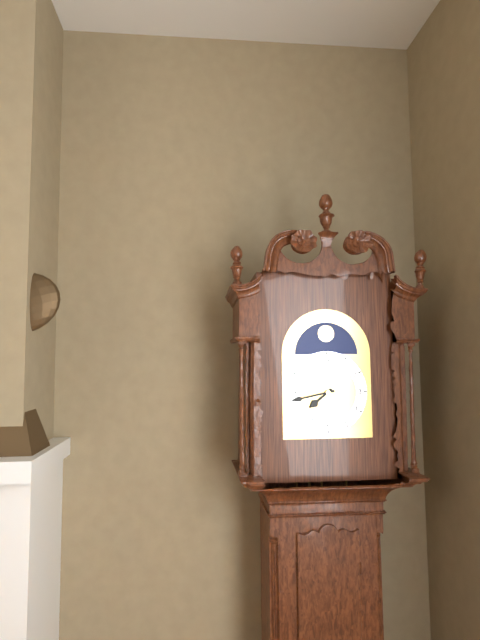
7:43
